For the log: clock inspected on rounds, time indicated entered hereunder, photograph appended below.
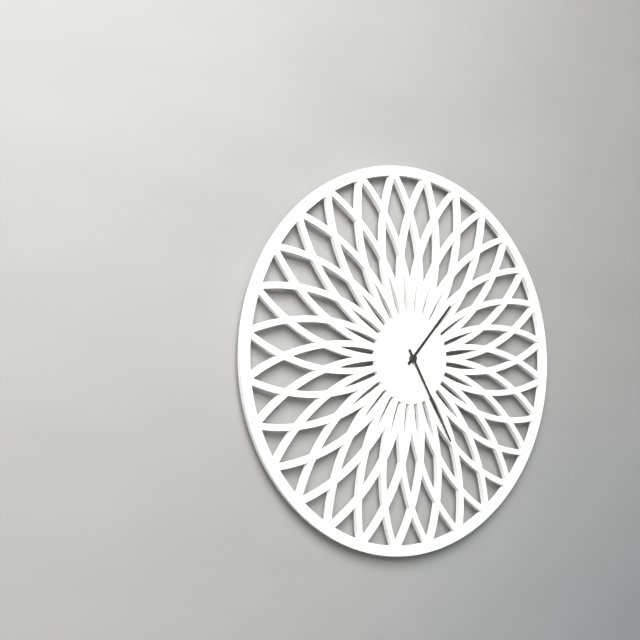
1:25
